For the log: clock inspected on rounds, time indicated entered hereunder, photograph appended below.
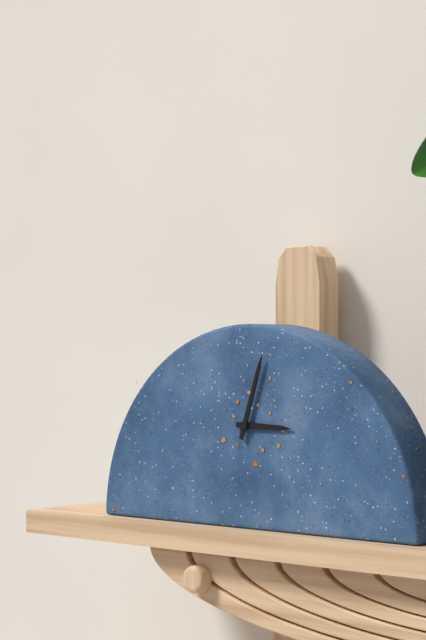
3:03
